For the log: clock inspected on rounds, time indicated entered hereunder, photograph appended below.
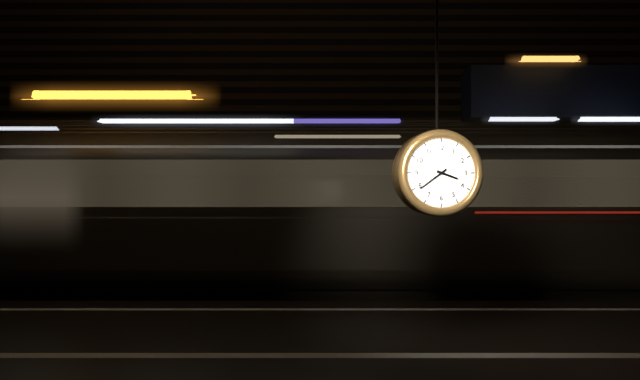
3:39
